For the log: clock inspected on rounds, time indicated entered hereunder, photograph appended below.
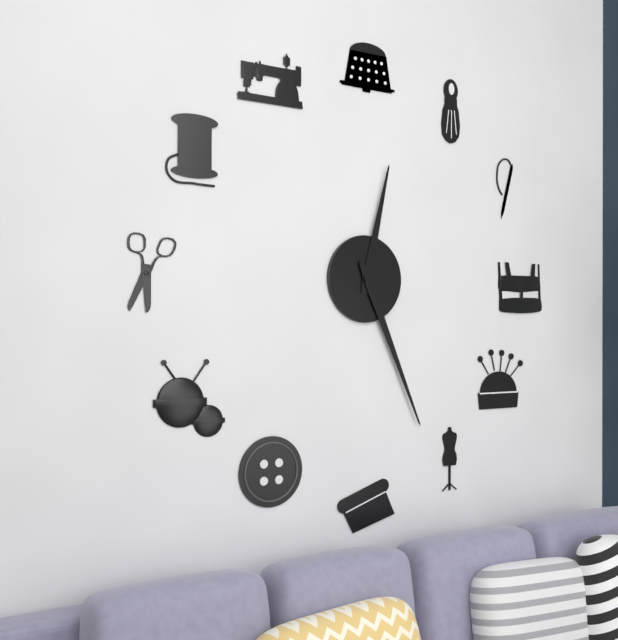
12:26
